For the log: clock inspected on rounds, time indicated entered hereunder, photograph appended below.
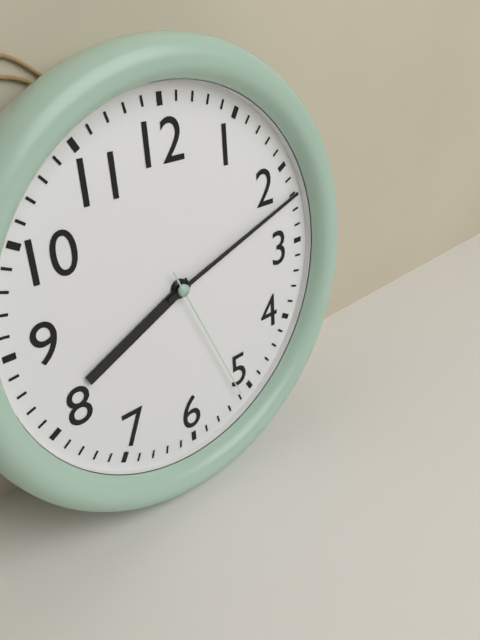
8:12:26
